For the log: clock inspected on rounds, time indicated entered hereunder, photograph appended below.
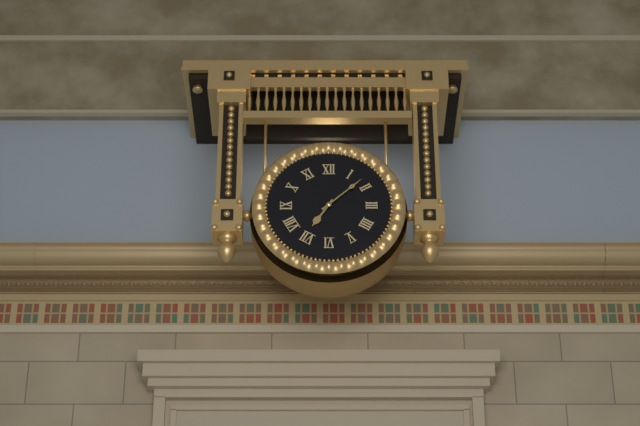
7:08
